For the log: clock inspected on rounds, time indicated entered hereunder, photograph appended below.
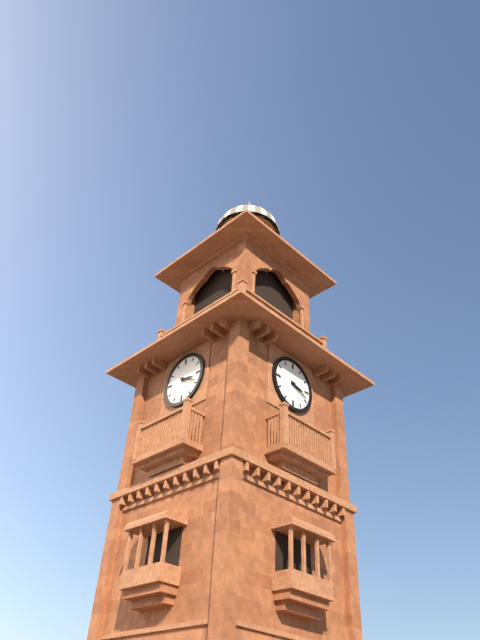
3:19
